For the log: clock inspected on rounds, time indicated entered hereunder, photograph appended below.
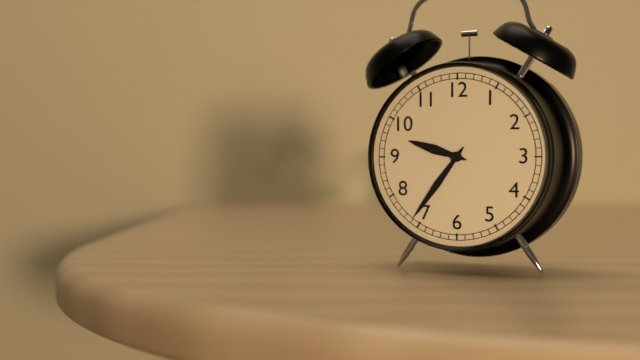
9:36
